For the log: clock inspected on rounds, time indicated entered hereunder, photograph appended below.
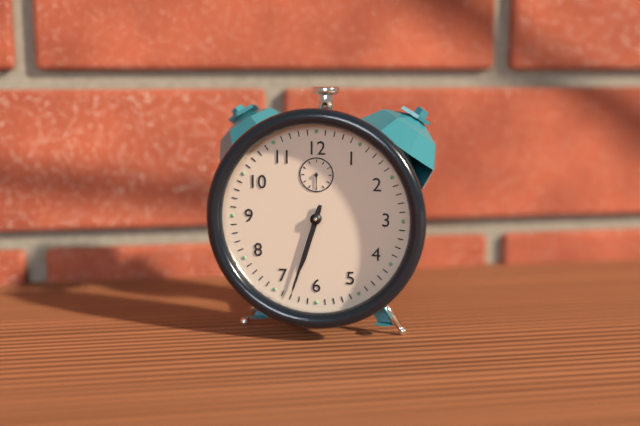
6:33
